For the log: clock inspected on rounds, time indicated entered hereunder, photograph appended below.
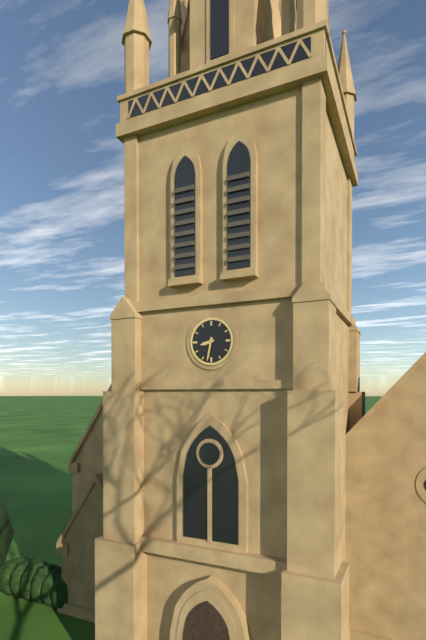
8:32
